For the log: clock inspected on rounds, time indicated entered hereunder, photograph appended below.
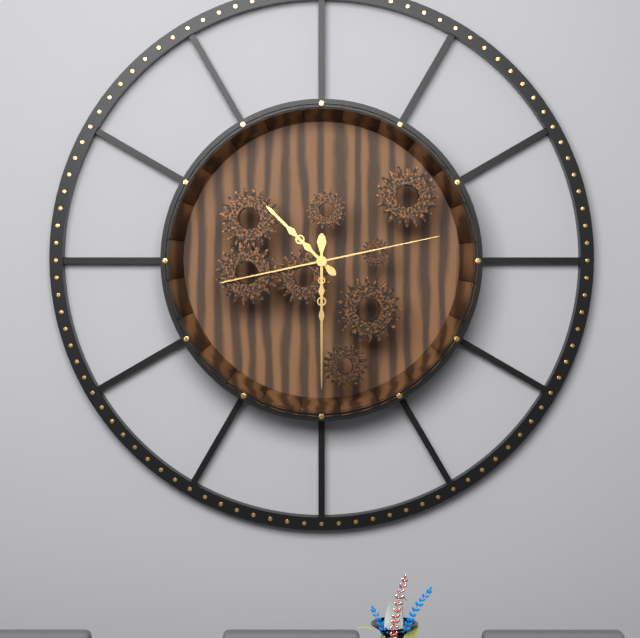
10:30:13
